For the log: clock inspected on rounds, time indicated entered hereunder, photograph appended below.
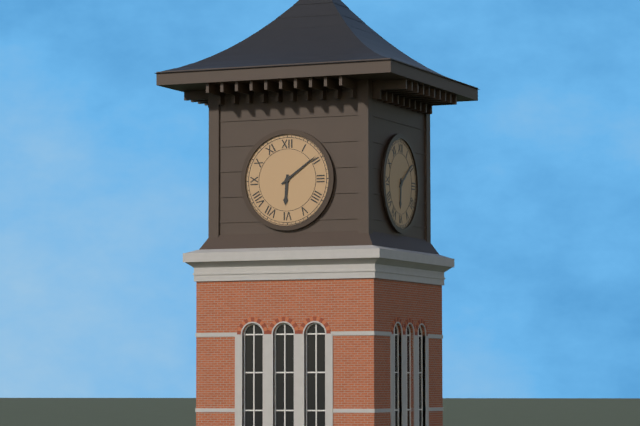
6:09
